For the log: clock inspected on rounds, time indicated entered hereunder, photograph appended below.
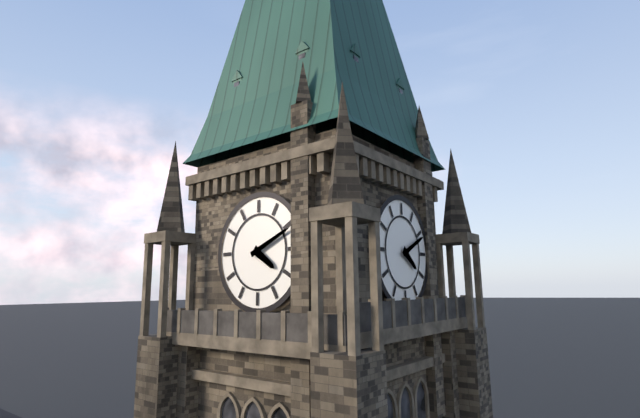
4:11
